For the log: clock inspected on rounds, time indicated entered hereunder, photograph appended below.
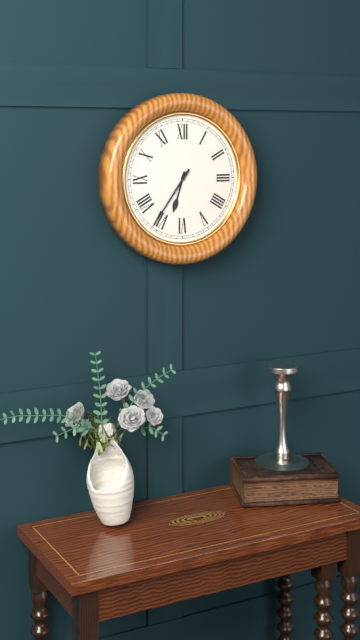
6:36
